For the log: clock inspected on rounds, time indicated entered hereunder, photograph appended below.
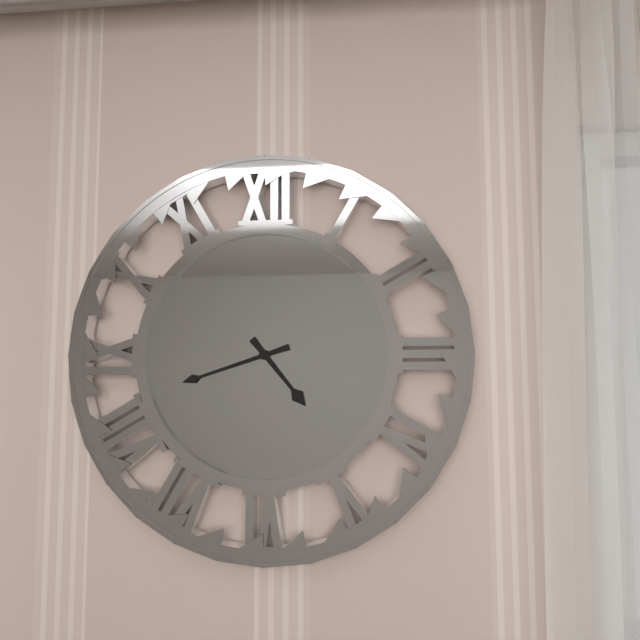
4:42
